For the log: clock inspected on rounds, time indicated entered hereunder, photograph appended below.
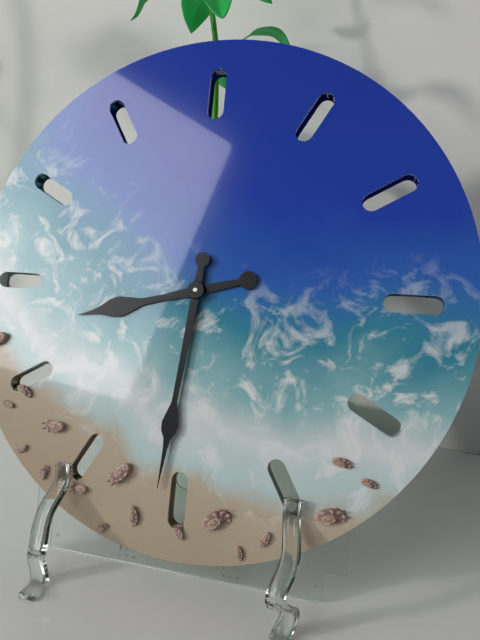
8:31
